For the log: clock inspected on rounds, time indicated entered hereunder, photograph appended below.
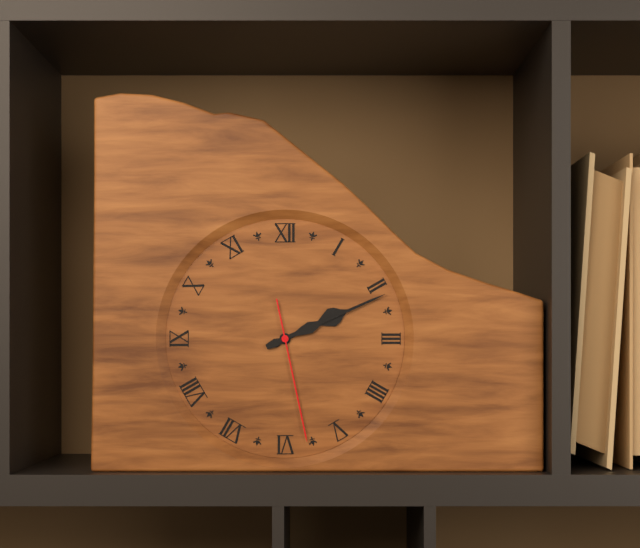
2:11:28
